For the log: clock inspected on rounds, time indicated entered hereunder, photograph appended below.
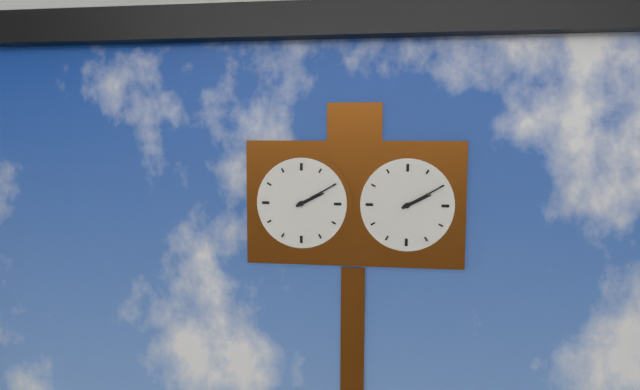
2:10
